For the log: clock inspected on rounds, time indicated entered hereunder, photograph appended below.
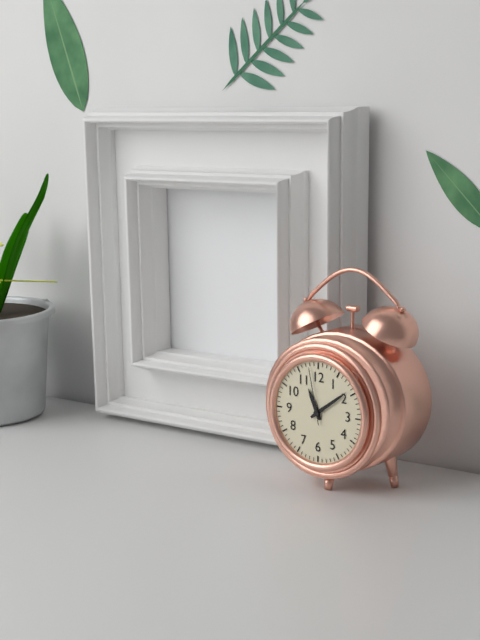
11:09:58
